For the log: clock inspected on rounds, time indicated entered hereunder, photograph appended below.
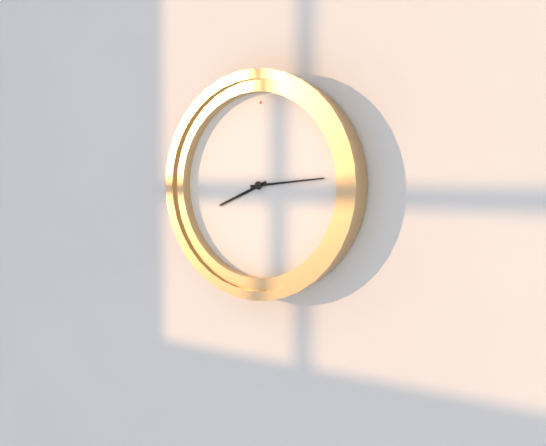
8:14
